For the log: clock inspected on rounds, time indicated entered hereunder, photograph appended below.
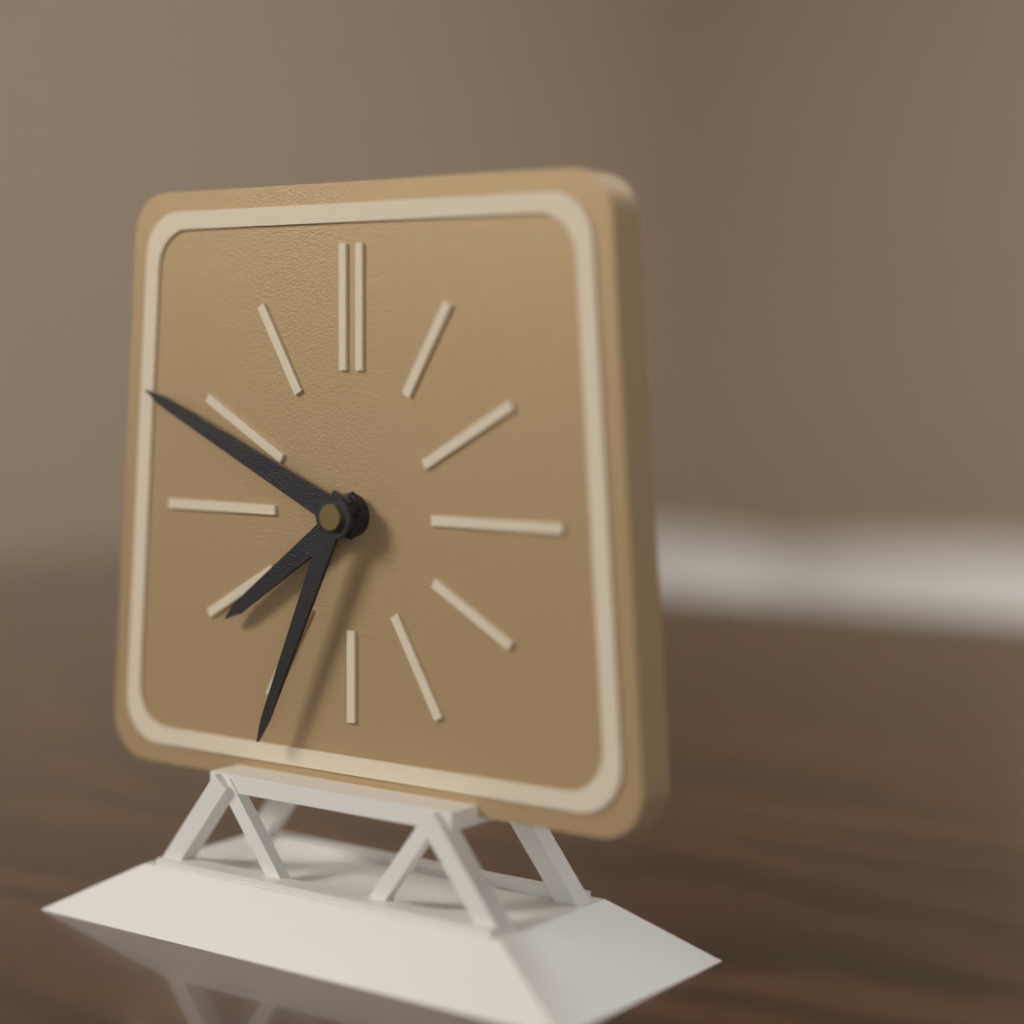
7:49:34
